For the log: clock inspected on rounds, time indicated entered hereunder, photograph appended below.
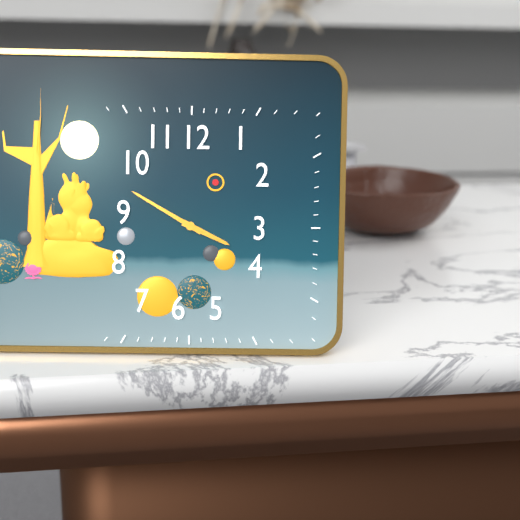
3:50
